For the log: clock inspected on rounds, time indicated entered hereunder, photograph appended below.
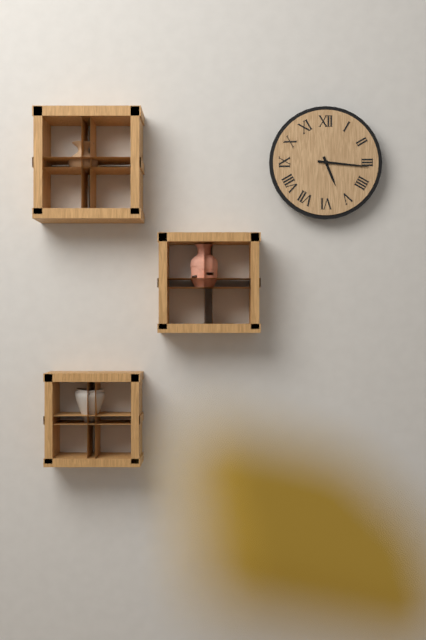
5:16
